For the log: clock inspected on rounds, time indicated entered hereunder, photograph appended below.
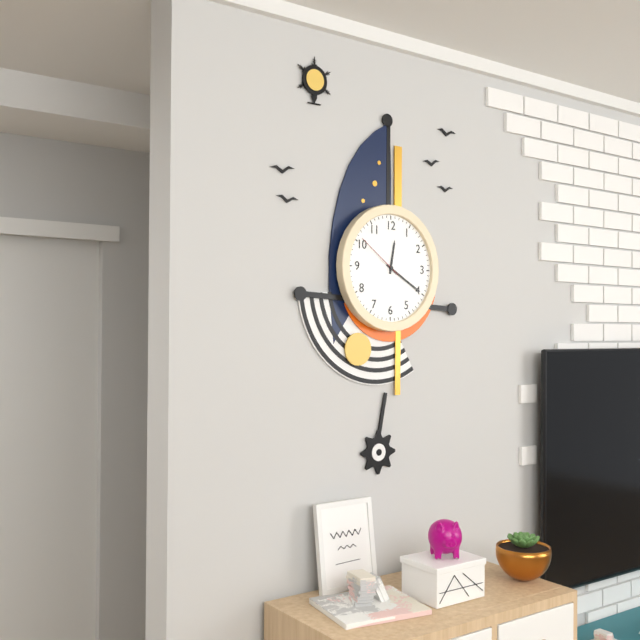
12:20:51
